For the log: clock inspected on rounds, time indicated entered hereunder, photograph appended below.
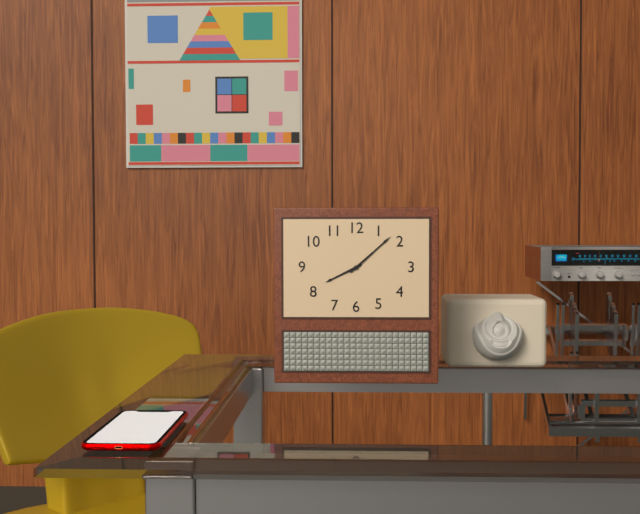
8:08
